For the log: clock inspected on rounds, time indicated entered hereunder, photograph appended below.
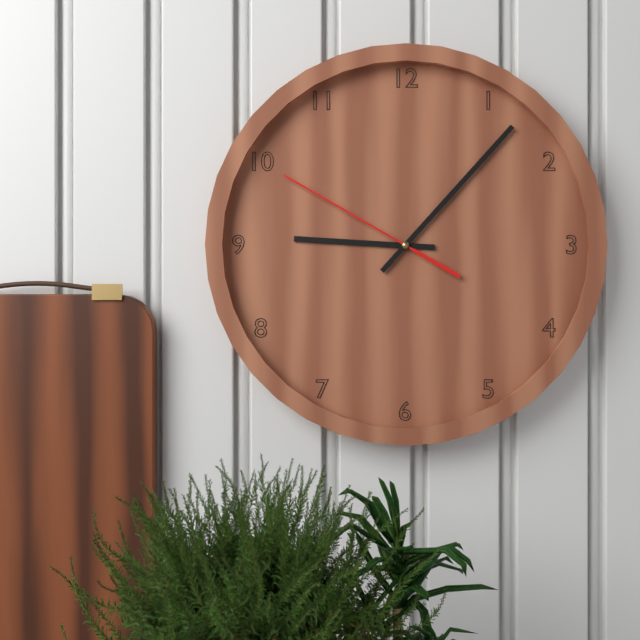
9:07:50
